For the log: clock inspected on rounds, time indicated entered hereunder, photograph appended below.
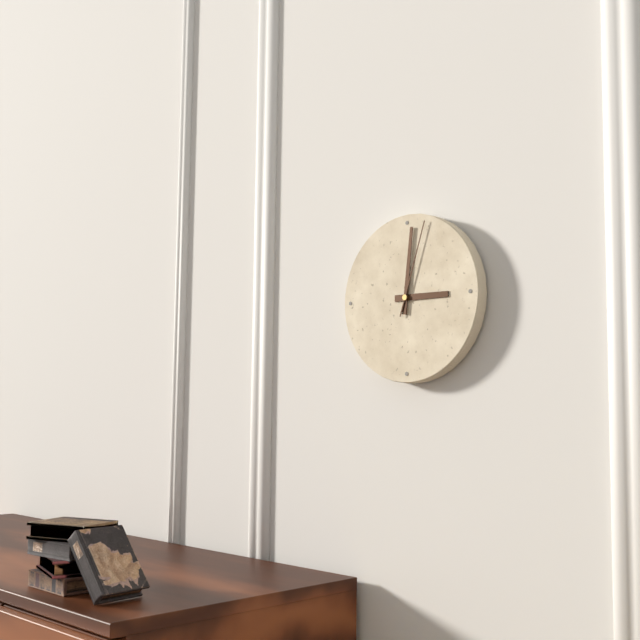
3:01:03
